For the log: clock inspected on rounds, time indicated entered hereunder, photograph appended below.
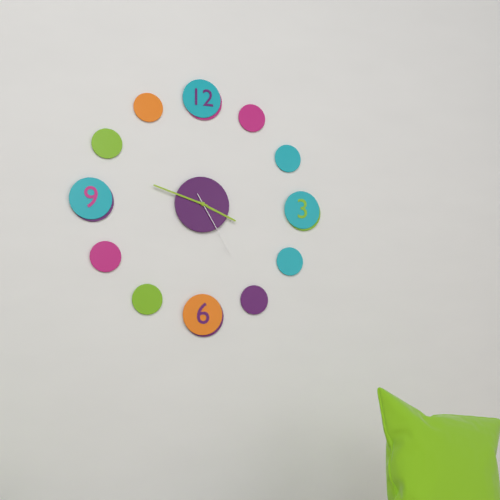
3:48:25
